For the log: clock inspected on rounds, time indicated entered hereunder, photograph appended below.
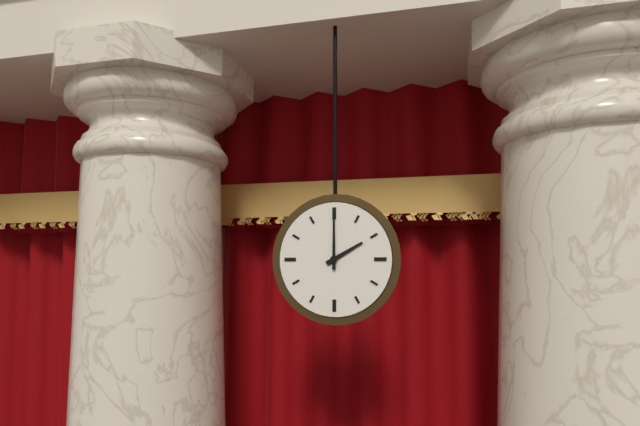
2:00
